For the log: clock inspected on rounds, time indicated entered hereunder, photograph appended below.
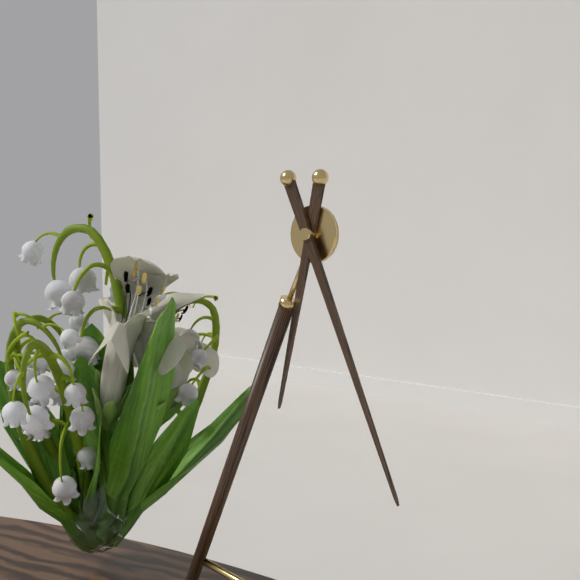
6:26
